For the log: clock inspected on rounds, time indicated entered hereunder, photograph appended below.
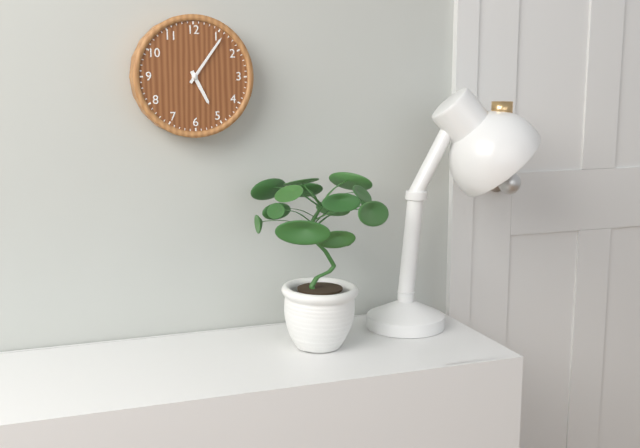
5:06
